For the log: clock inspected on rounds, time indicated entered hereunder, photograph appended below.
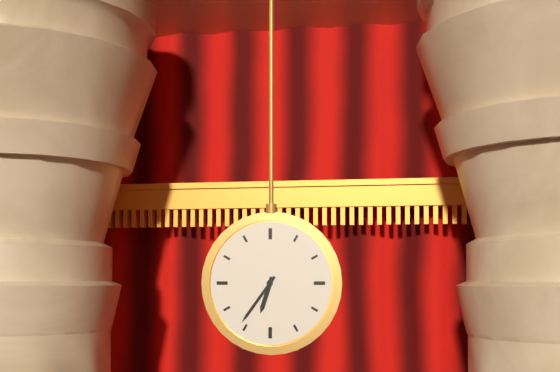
6:36
